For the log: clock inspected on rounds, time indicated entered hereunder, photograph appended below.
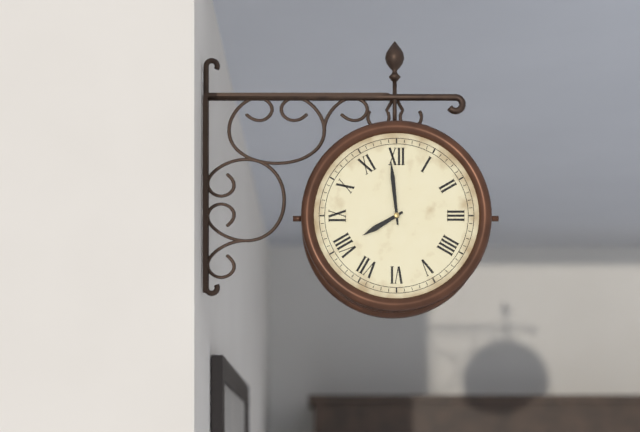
7:59
